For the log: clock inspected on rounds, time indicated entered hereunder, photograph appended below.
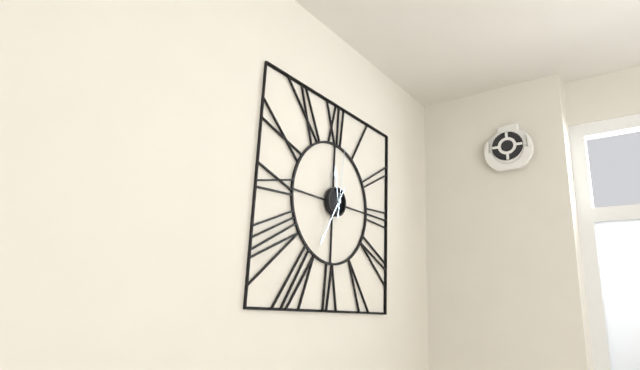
11:35:01
